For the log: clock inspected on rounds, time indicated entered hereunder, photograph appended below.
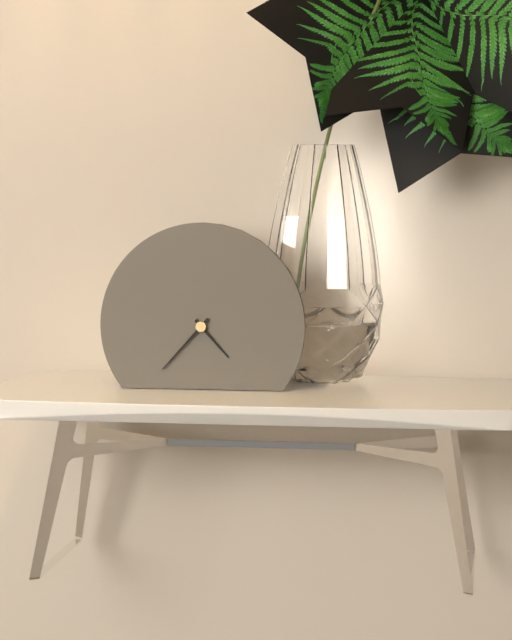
4:37
